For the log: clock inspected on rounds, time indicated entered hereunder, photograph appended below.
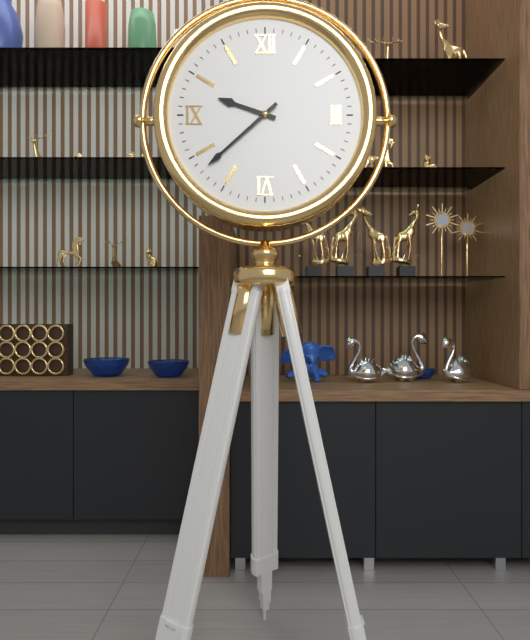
9:38
